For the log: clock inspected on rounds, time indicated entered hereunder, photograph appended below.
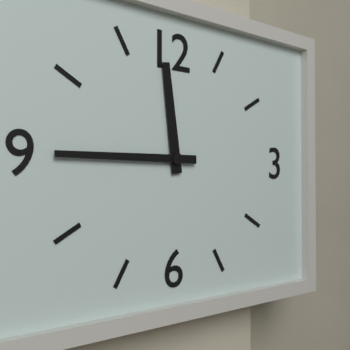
11:45
